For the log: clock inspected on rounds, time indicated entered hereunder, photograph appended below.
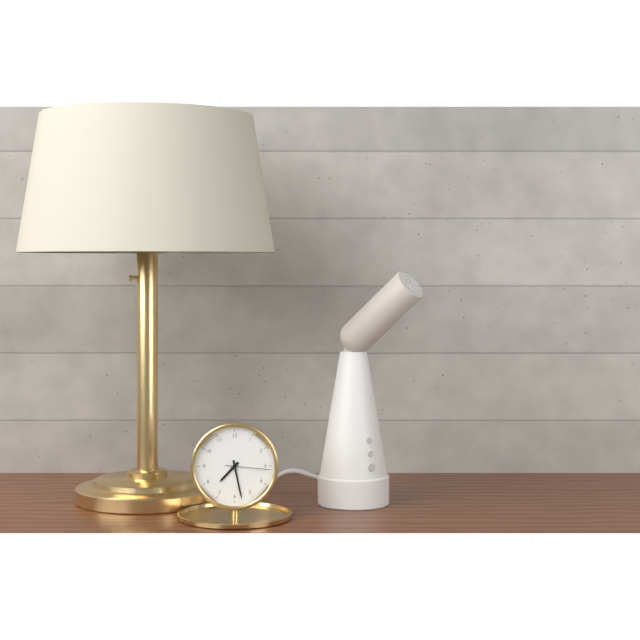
7:28
